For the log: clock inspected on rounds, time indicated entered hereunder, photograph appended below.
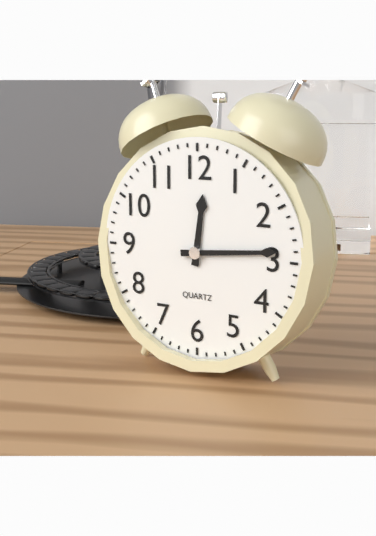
12:14
